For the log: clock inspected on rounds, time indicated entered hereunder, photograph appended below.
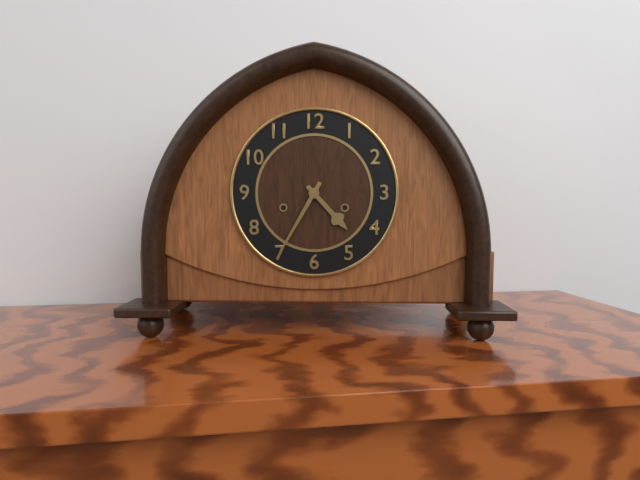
4:35
